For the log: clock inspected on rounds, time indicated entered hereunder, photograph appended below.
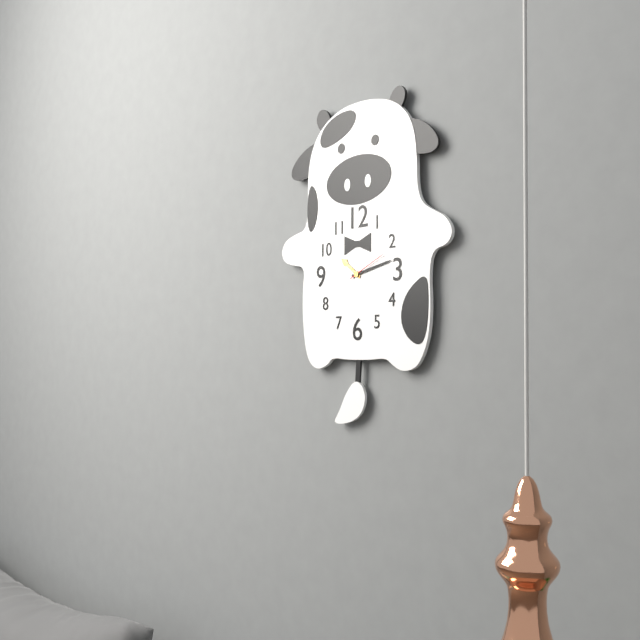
10:13
